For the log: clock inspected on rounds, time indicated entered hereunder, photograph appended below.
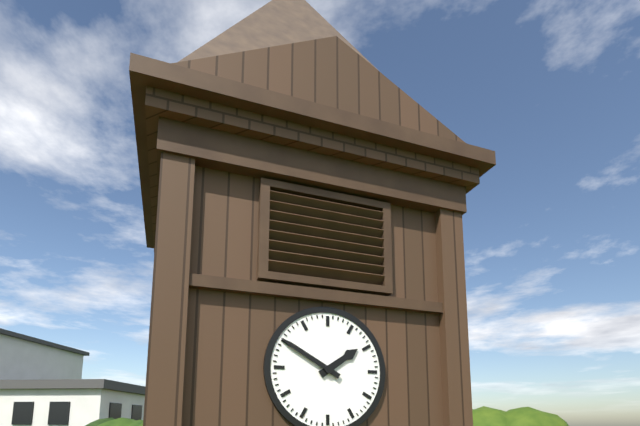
1:50
